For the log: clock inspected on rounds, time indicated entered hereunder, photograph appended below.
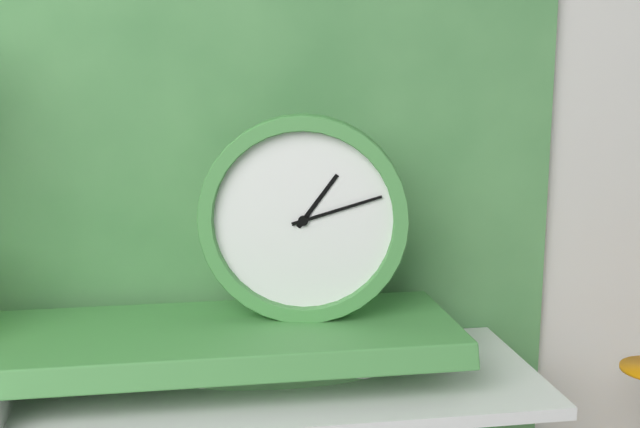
1:12
